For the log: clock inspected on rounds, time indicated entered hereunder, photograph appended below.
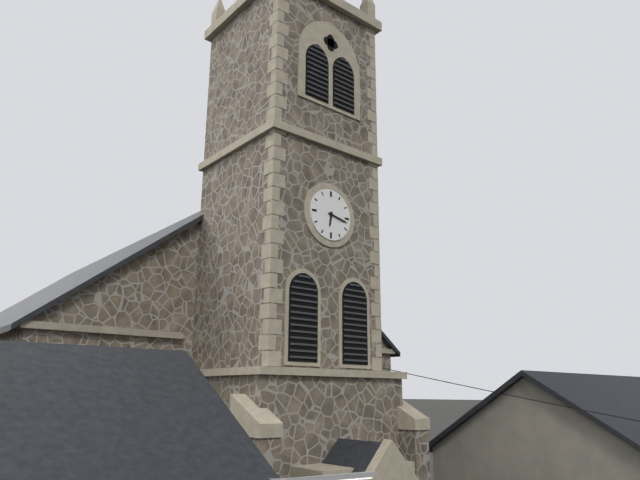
6:17
